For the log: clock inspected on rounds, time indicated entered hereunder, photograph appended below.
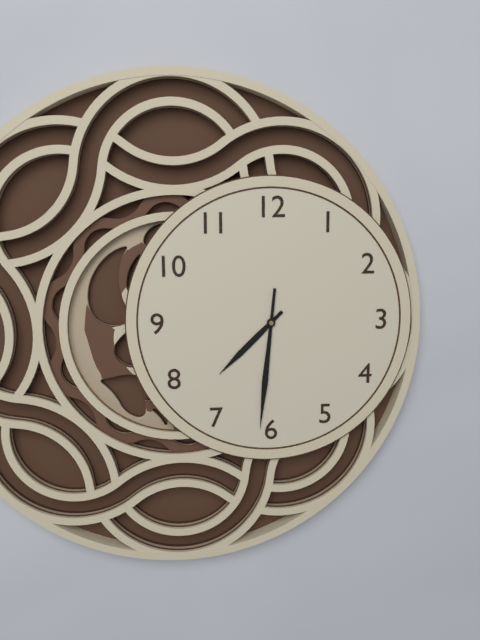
7:31
